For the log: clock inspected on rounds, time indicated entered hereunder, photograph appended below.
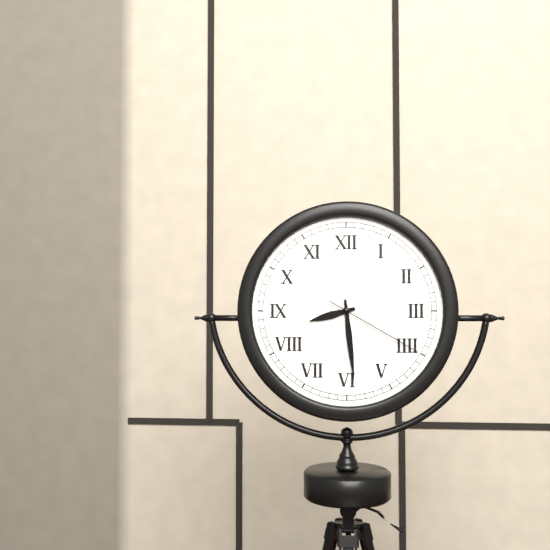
8:29:20
